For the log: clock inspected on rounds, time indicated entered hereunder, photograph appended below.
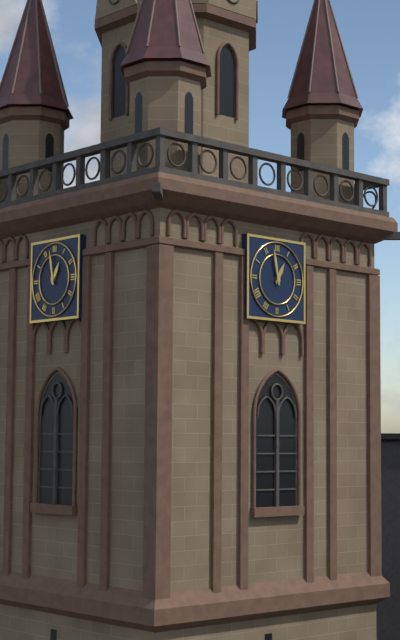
12:58
